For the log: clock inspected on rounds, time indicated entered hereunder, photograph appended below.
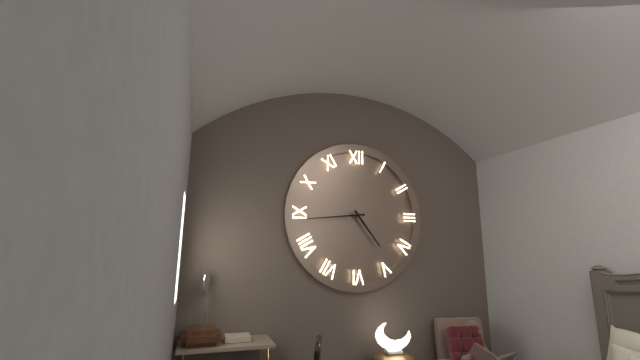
4:44
